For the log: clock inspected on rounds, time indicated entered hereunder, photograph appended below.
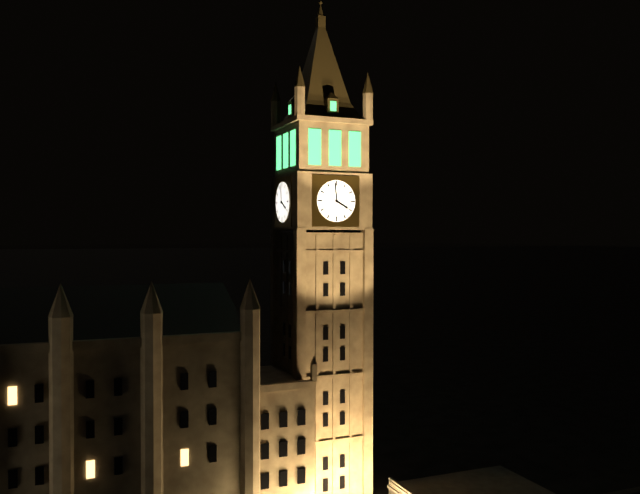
3:59
